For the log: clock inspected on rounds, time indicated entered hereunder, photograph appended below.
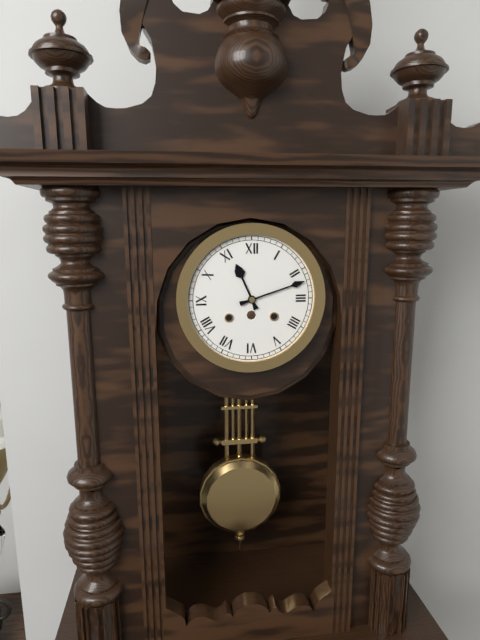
11:12
